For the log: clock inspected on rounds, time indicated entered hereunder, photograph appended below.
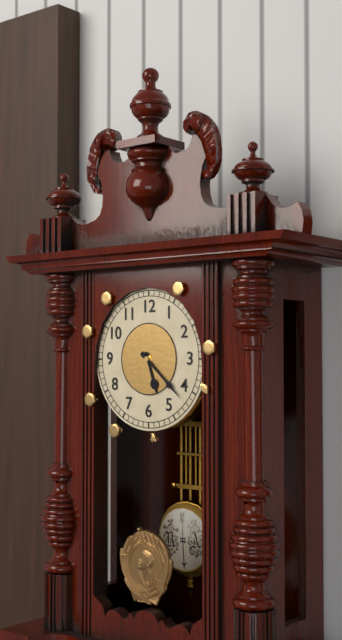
5:22
